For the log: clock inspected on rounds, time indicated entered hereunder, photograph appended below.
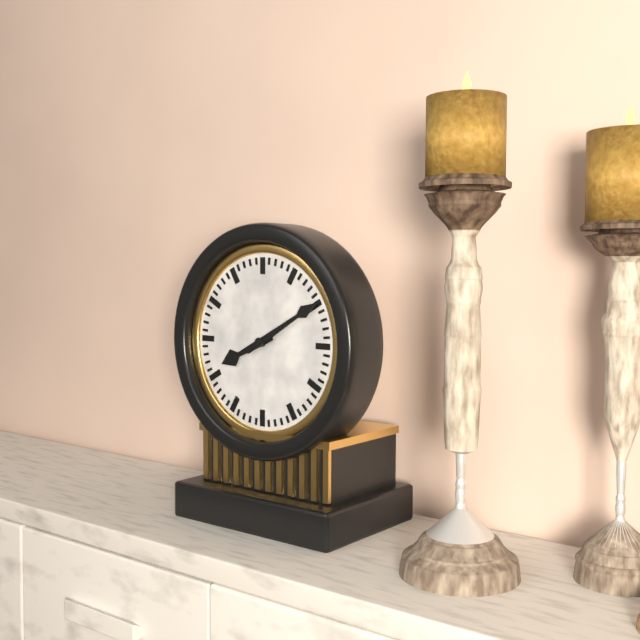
8:10
